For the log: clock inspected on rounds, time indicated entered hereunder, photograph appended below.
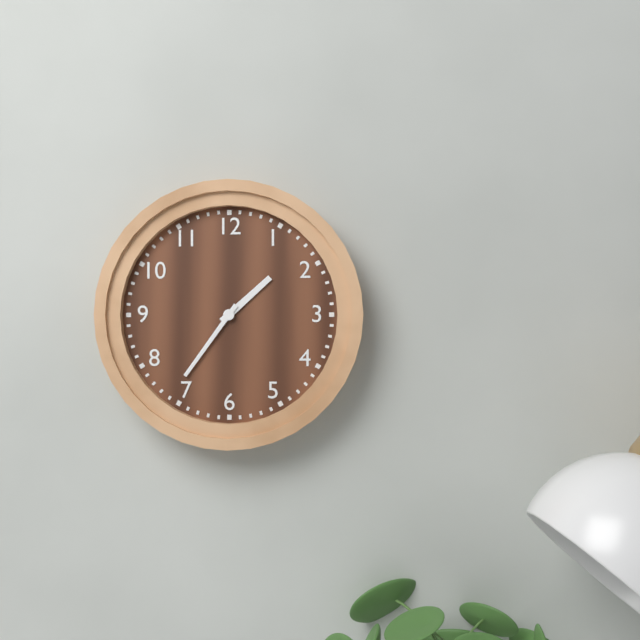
1:36
